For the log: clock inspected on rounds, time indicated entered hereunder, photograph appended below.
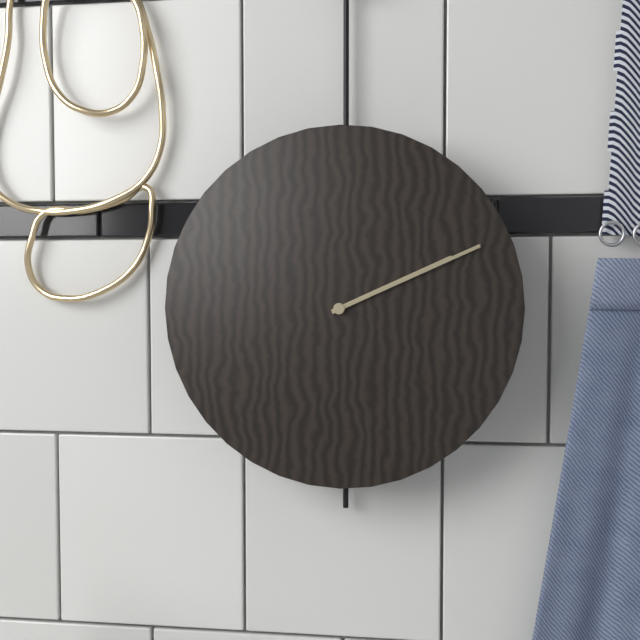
2:11
